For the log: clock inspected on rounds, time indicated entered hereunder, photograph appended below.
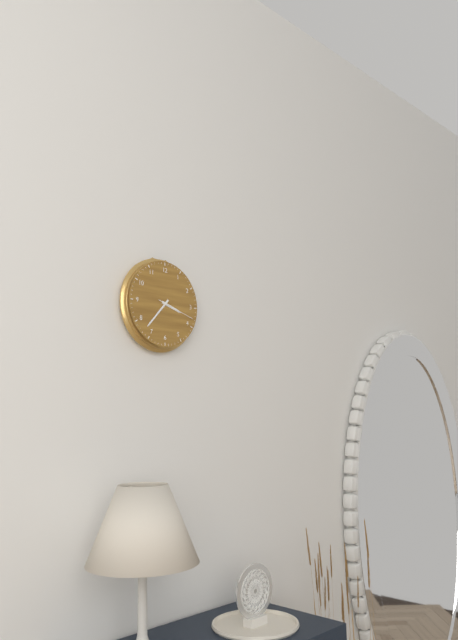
3:37
